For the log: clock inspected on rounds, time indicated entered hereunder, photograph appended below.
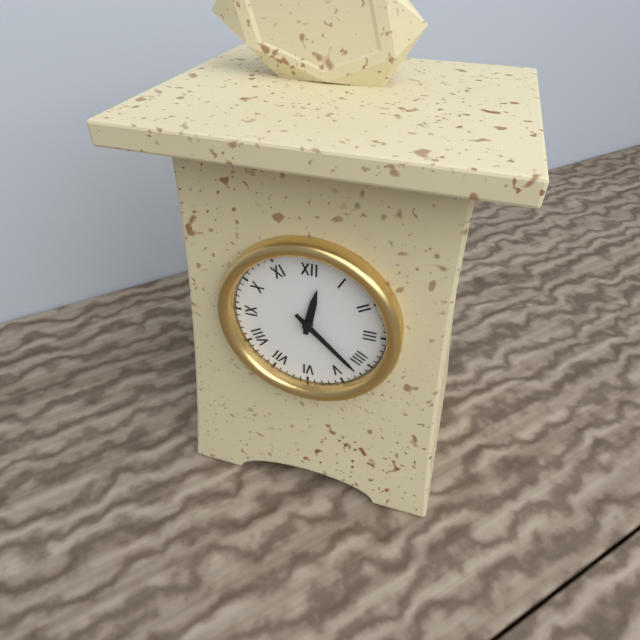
12:22
